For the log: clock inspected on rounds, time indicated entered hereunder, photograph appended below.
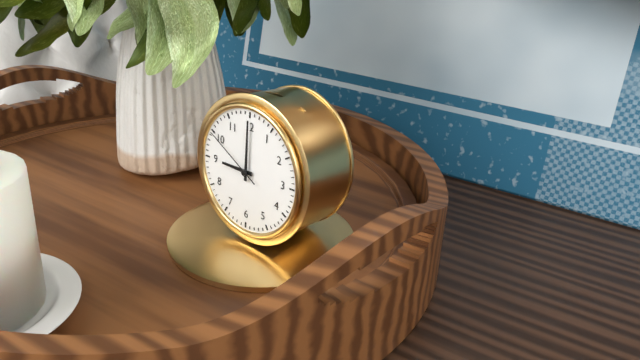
9:00:50
